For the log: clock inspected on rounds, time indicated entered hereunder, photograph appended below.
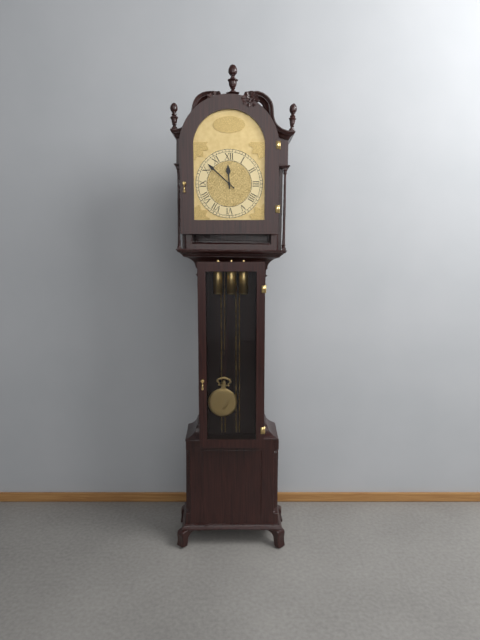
11:52
